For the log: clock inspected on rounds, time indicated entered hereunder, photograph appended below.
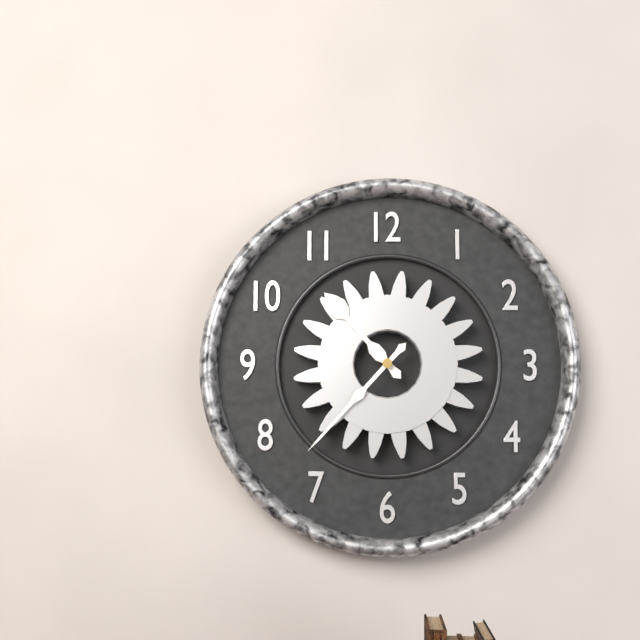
10:37
